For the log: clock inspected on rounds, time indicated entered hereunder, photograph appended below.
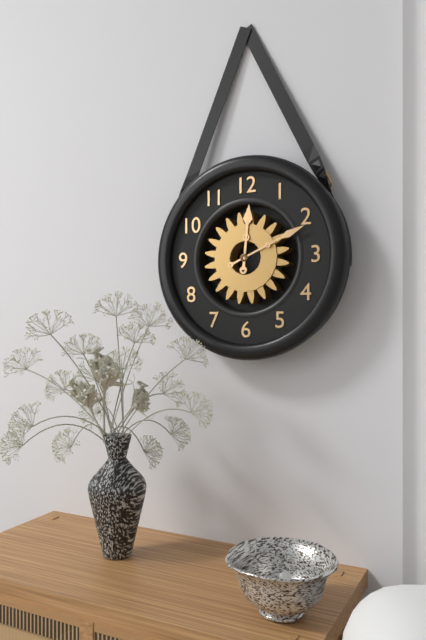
12:11
